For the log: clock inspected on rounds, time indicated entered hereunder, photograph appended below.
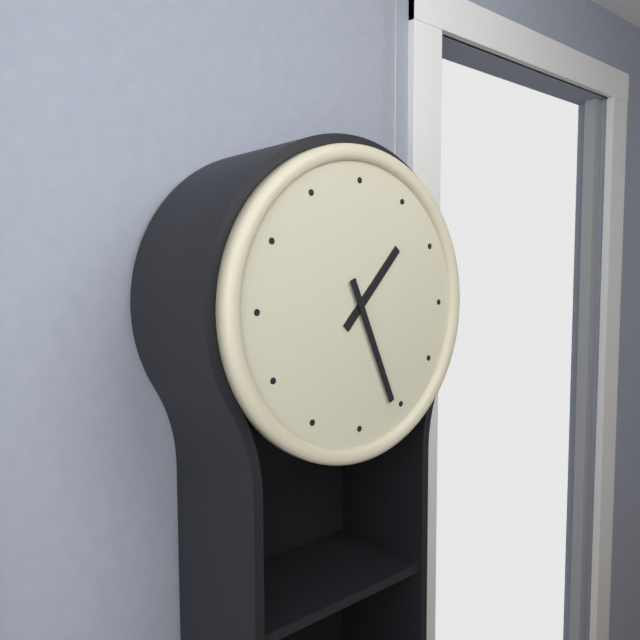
1:26
